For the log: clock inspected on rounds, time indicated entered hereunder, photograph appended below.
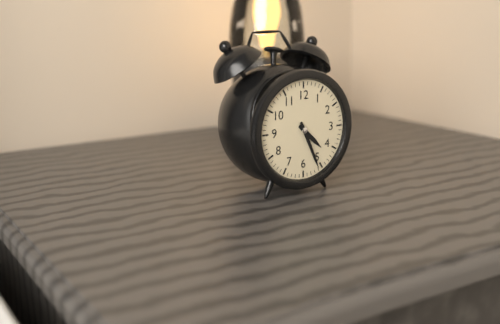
4:26
